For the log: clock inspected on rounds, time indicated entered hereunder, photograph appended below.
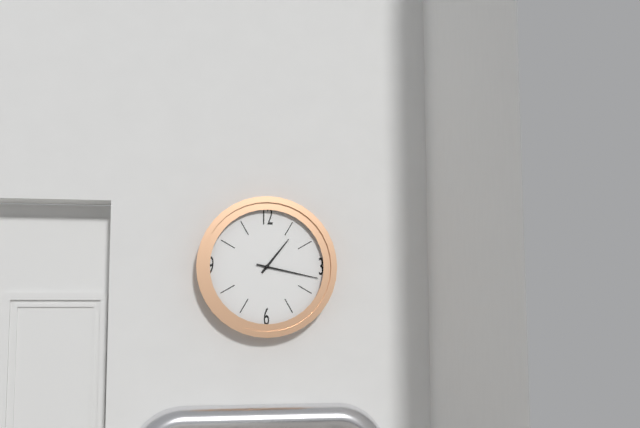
1:17
